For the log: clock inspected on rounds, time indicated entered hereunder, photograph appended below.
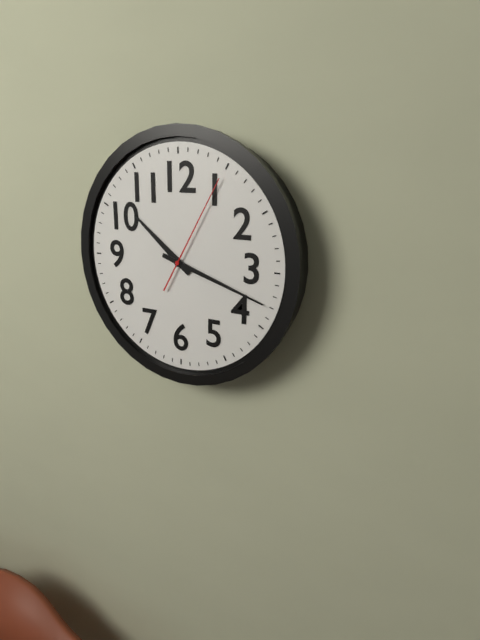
10:18:05
